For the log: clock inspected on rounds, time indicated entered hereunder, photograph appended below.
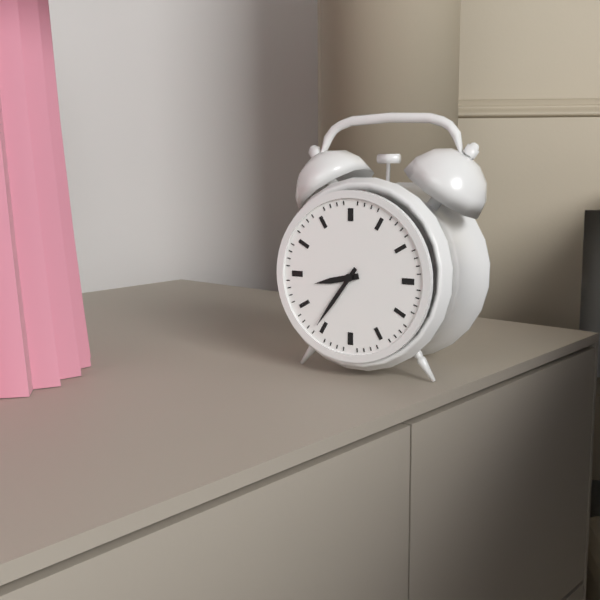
8:36
